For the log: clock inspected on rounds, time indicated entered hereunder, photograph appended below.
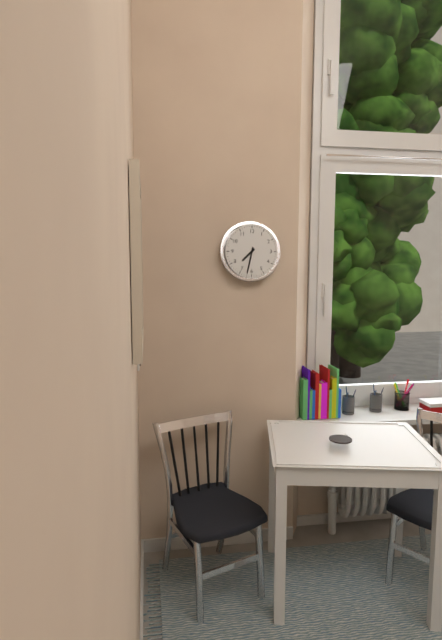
7:32
